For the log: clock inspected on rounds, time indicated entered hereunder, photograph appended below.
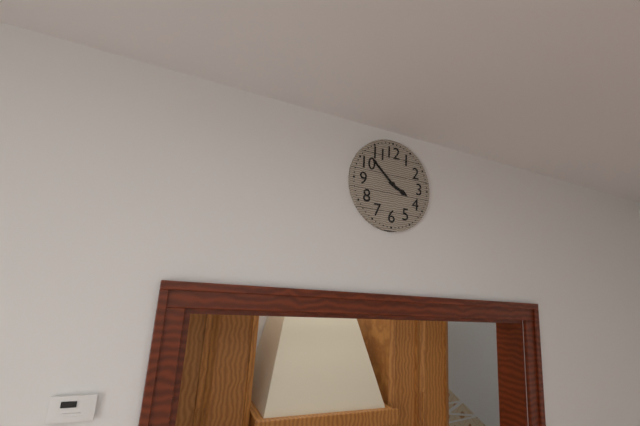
3:52
